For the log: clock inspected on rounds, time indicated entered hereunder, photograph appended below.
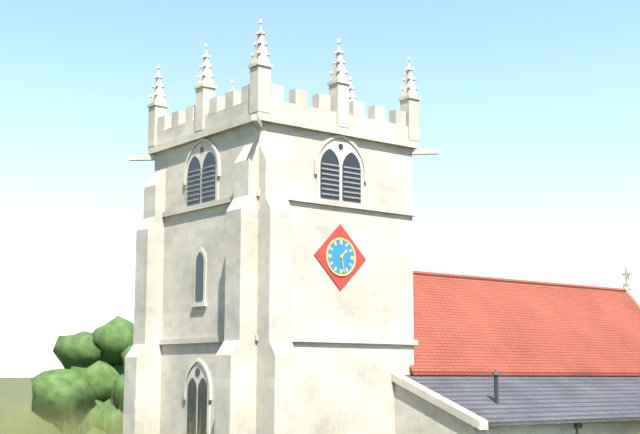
1:28
